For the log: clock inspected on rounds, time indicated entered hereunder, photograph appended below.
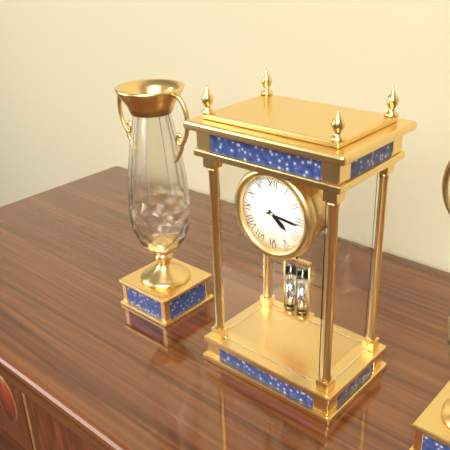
4:16
